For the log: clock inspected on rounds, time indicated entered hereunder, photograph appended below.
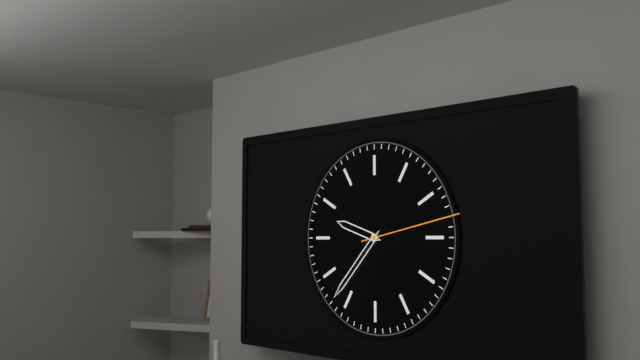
9:37:13
